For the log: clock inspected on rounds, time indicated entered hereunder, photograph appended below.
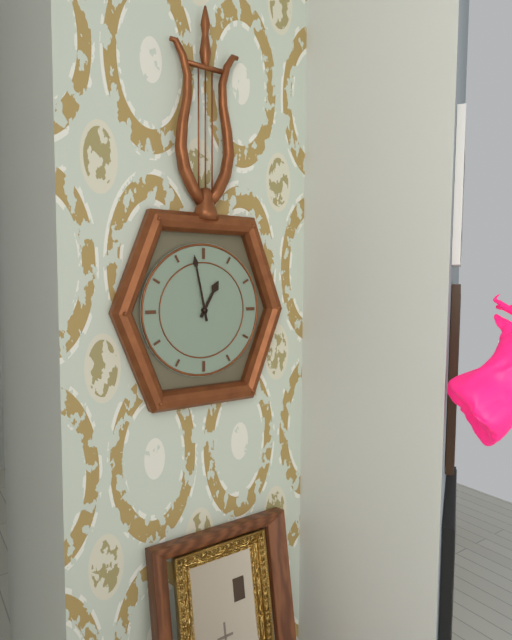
12:58
